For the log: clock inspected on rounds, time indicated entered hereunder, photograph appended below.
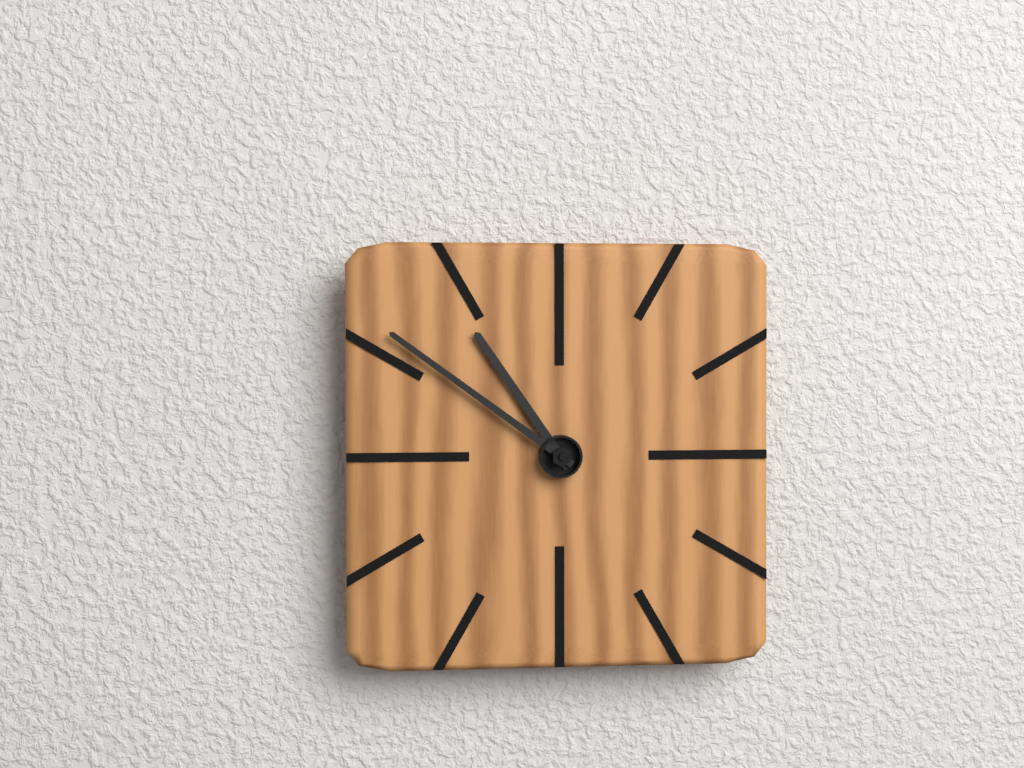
10:51
